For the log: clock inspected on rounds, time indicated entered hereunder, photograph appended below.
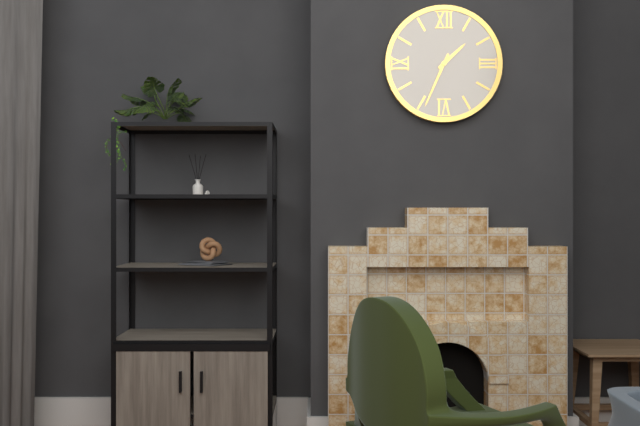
1:34
